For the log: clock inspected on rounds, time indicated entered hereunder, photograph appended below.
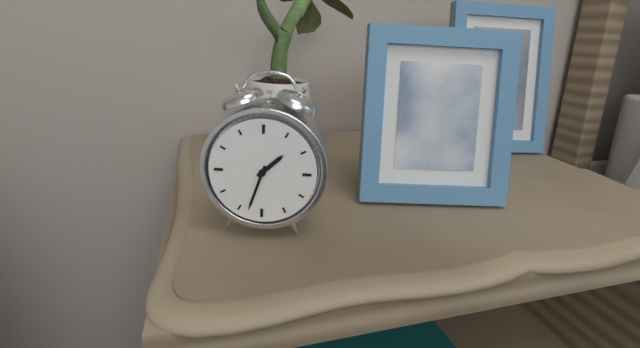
1:33
